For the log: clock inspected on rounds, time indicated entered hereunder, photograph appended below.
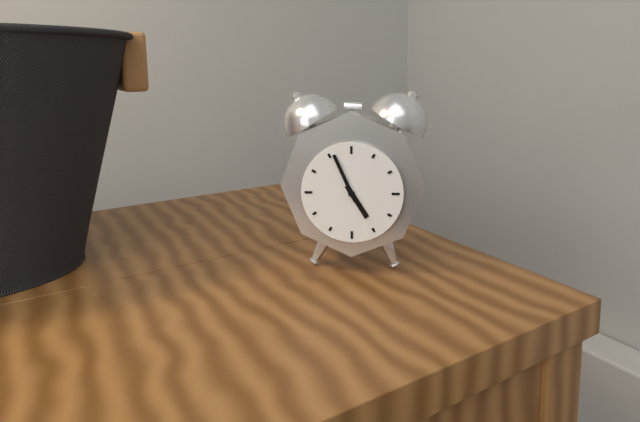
4:56
